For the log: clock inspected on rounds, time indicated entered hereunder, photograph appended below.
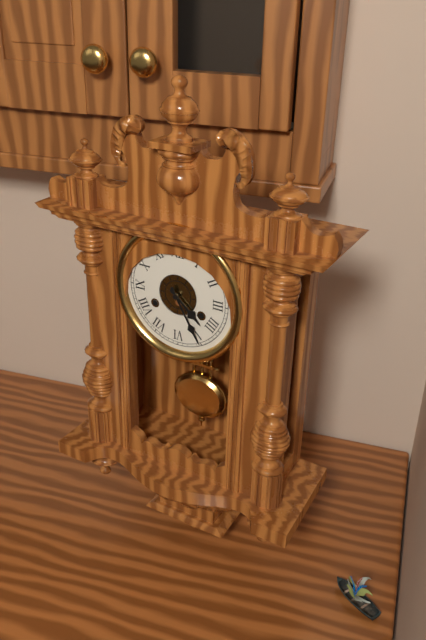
4:25
